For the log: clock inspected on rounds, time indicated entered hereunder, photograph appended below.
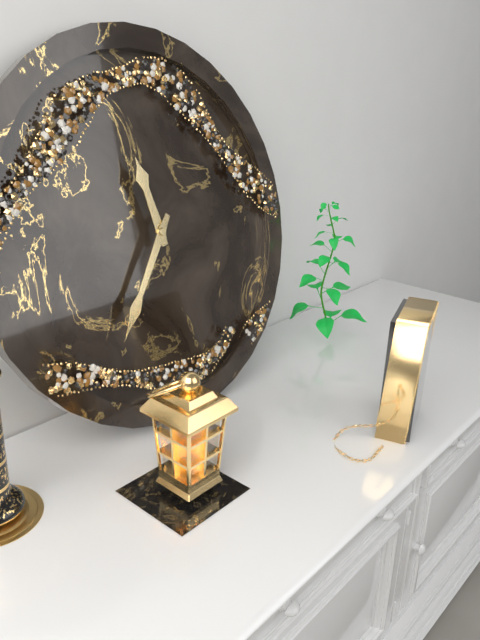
11:36
